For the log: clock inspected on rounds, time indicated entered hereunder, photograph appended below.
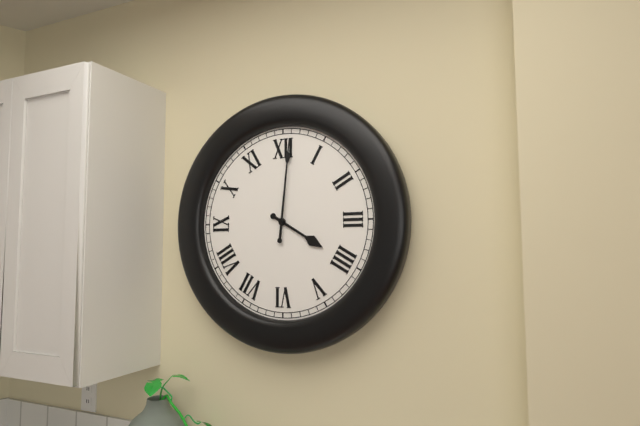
4:01
